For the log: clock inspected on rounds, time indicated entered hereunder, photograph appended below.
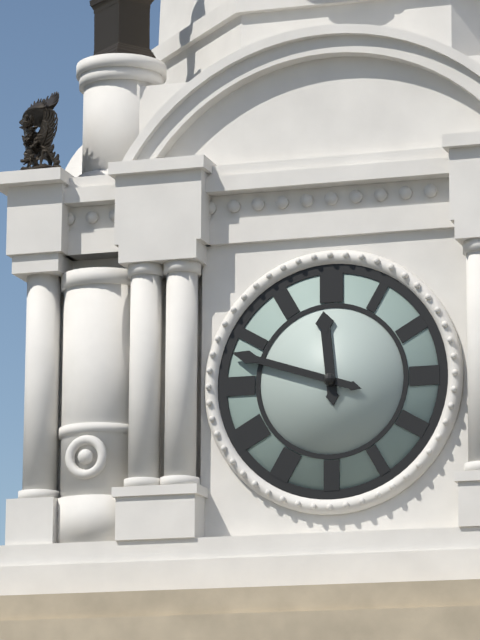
11:48
